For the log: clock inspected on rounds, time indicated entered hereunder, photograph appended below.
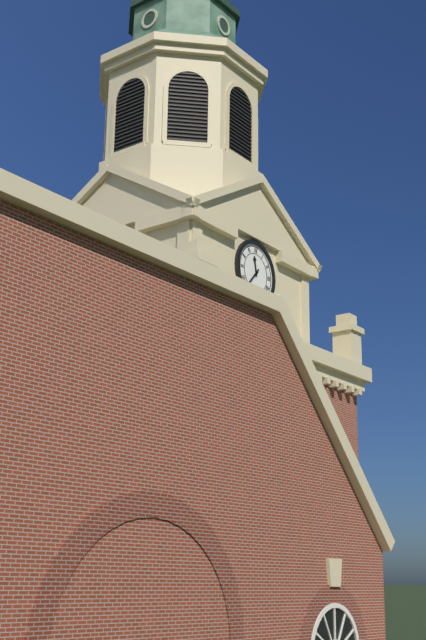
11:37
